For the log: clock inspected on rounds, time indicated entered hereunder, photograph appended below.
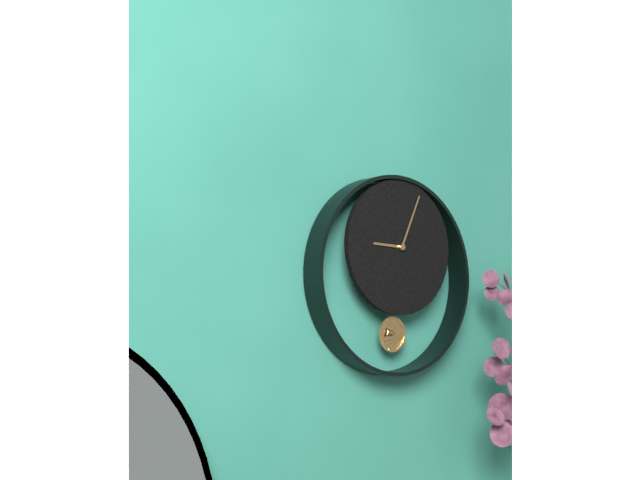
9:04
